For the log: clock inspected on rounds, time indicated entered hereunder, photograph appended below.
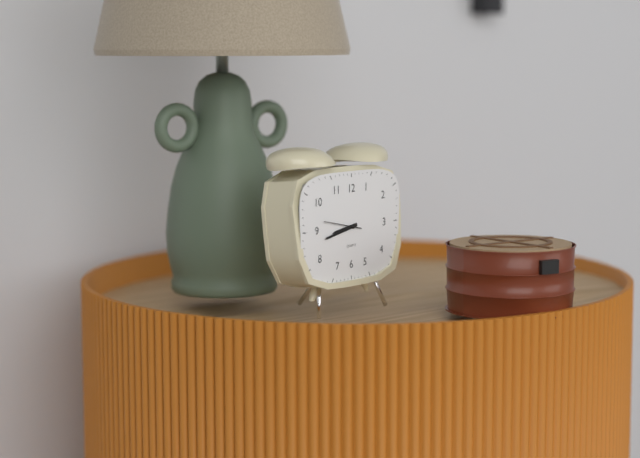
8:43
